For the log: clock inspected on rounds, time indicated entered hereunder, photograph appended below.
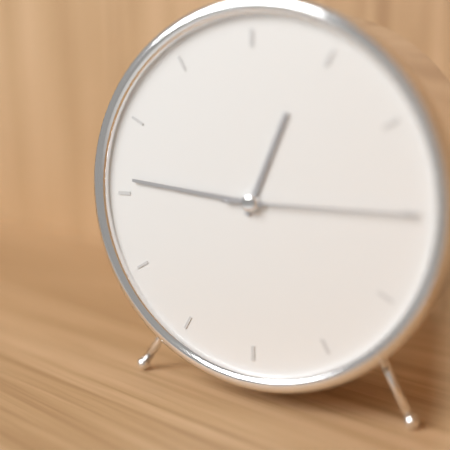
12:46:15
